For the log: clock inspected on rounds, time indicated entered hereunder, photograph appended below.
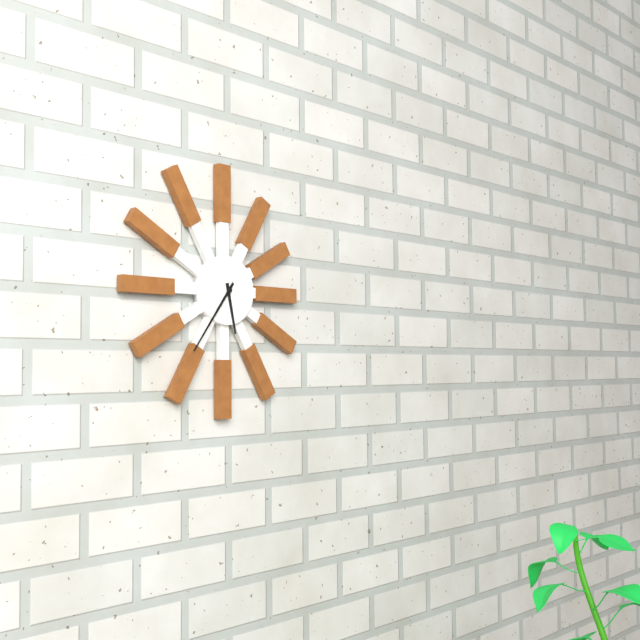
5:36
